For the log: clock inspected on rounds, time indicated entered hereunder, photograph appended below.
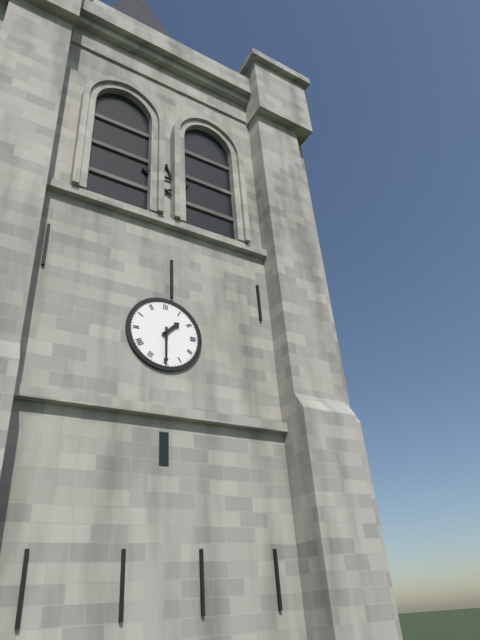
1:30
